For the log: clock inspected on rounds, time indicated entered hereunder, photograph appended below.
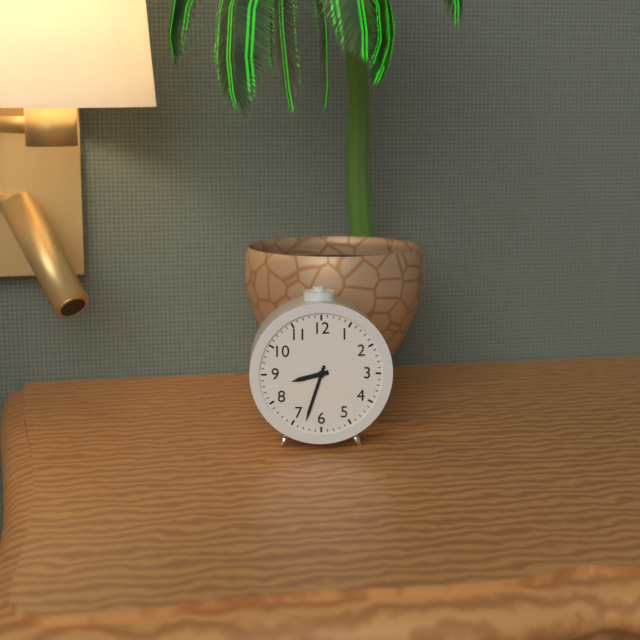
8:33
